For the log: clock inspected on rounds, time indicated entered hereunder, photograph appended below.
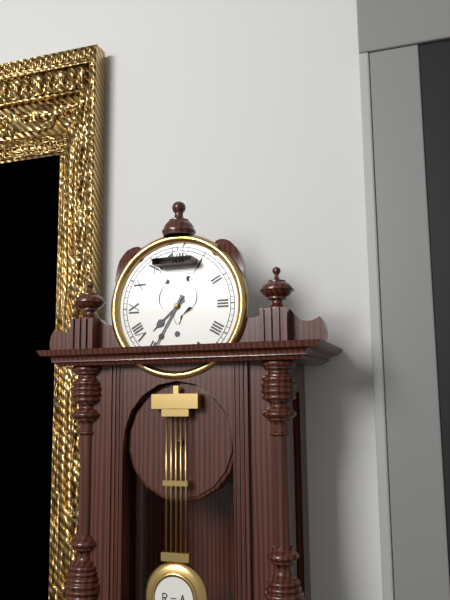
7:35
